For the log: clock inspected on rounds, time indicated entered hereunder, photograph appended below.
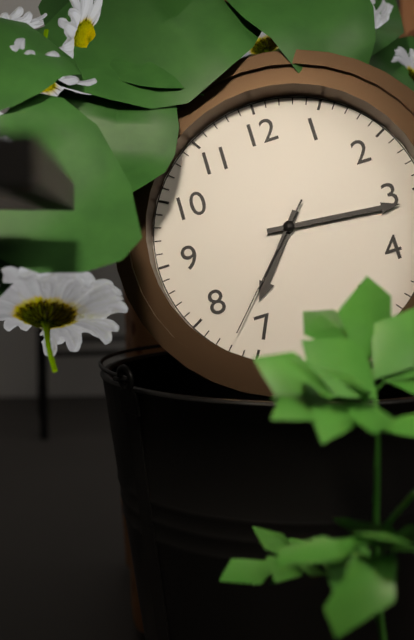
7:16:37
